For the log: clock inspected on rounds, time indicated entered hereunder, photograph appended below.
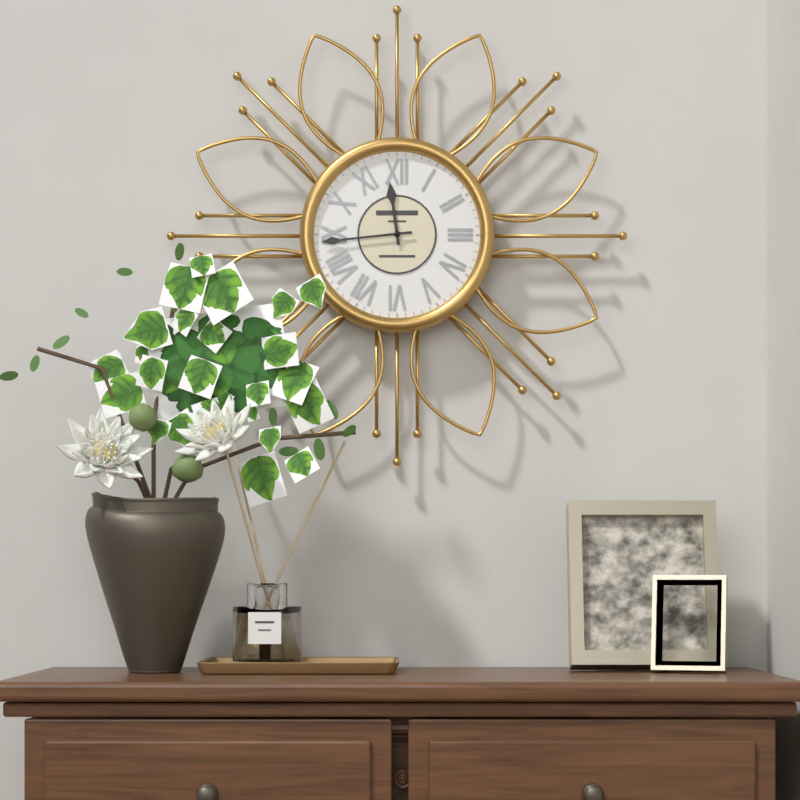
11:44
